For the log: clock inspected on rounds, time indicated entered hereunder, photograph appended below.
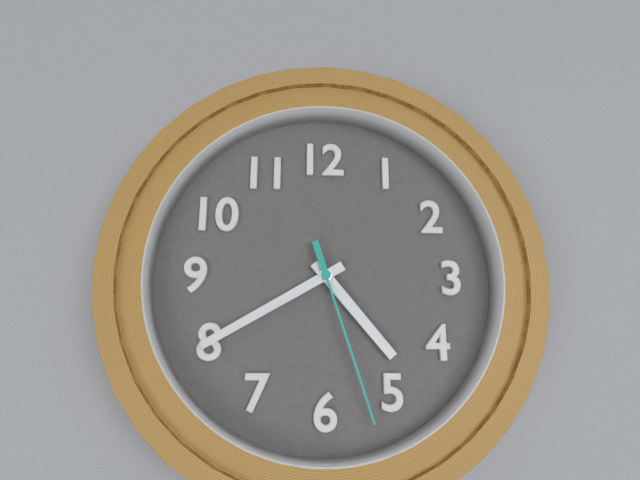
4:40:27
